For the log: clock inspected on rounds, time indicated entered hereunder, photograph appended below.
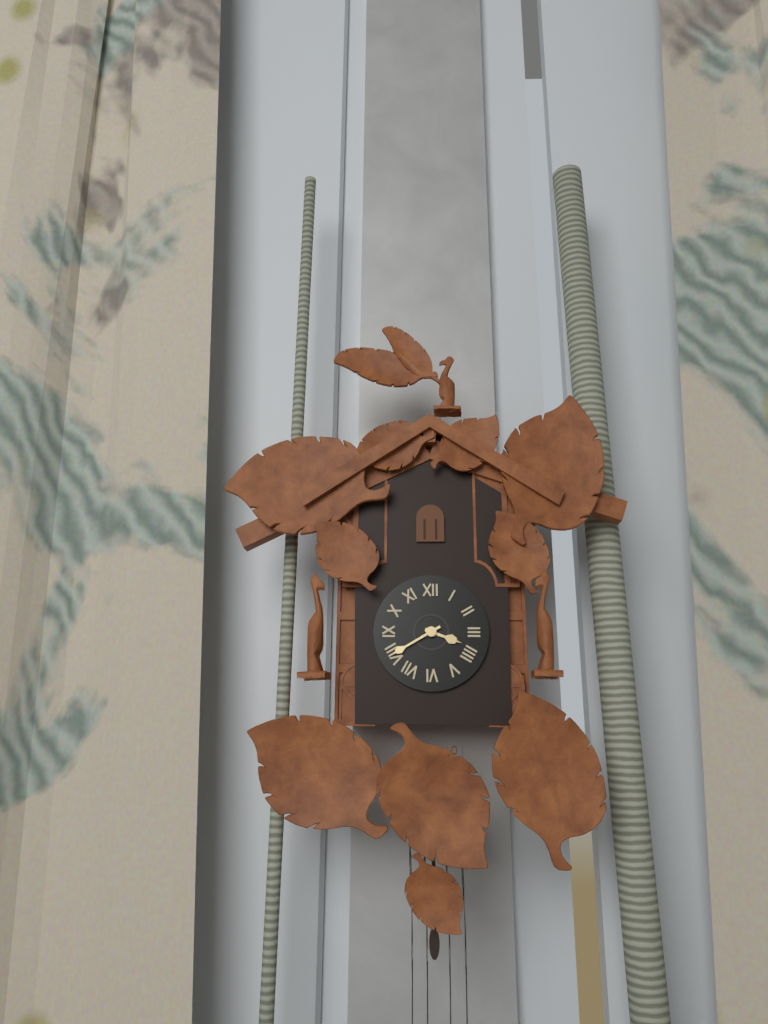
3:40
